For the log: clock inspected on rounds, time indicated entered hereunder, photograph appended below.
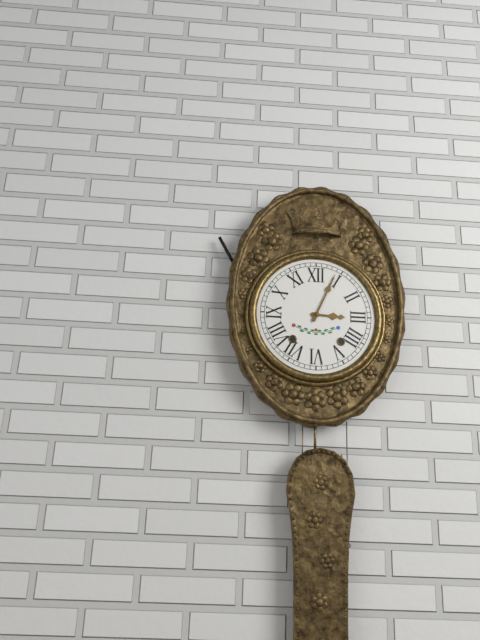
3:04
